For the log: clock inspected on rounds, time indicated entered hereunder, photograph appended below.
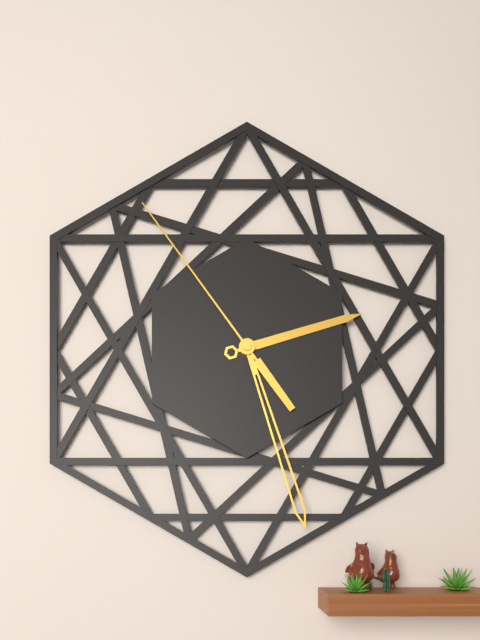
2:27:54
